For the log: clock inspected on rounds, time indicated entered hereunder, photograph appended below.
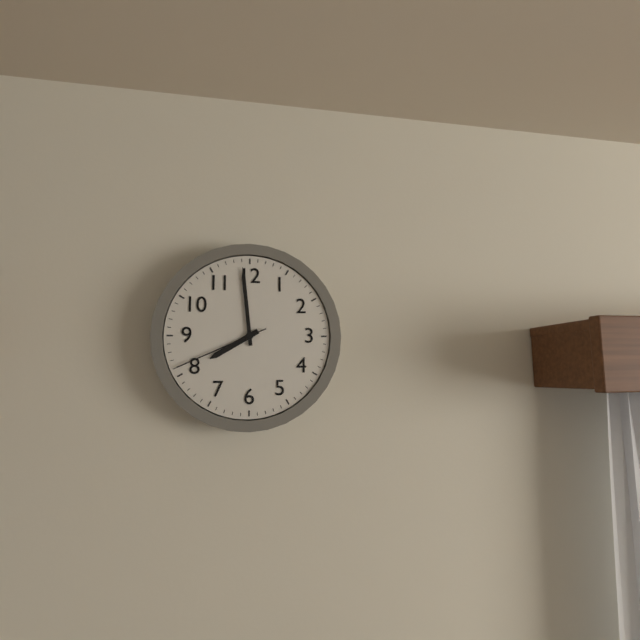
7:59:41
